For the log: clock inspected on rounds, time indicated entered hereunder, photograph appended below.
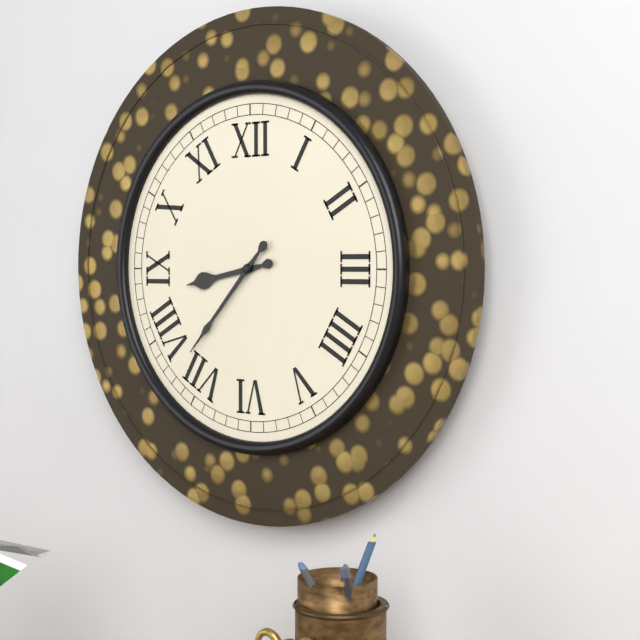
8:37
